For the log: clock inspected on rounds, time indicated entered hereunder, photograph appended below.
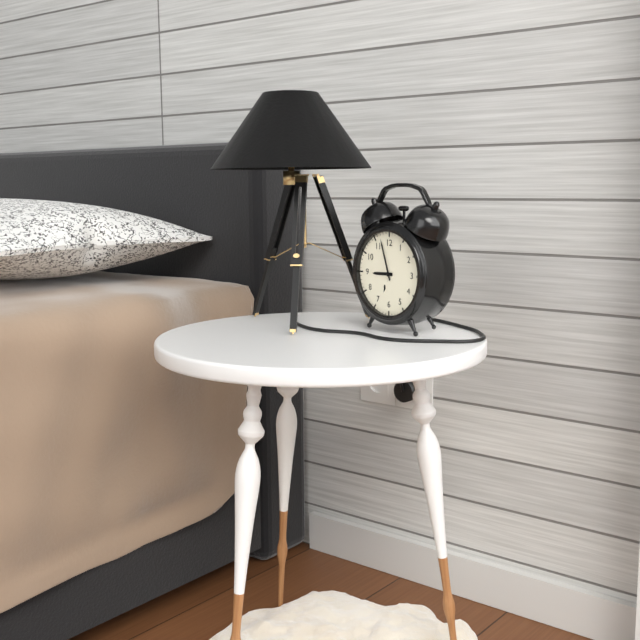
8:57
